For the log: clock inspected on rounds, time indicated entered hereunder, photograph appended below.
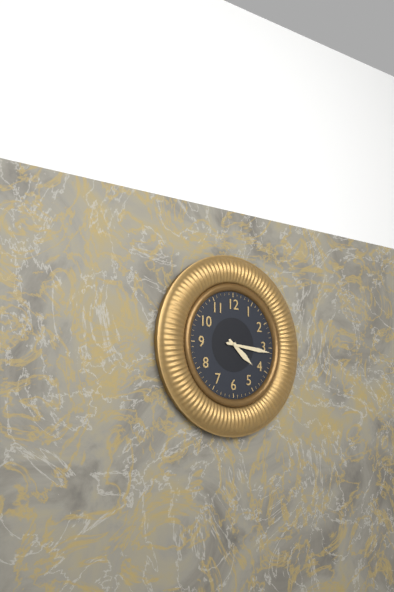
4:16
